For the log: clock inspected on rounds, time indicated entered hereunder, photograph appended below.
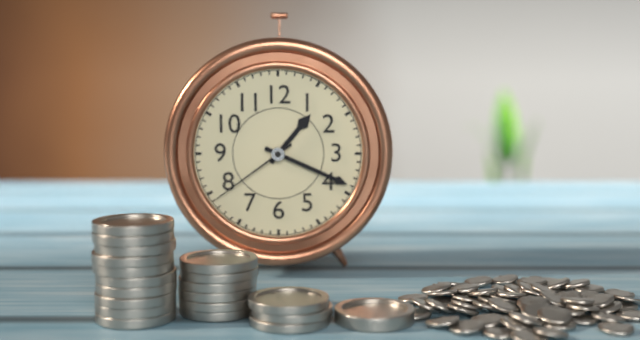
1:19:39
